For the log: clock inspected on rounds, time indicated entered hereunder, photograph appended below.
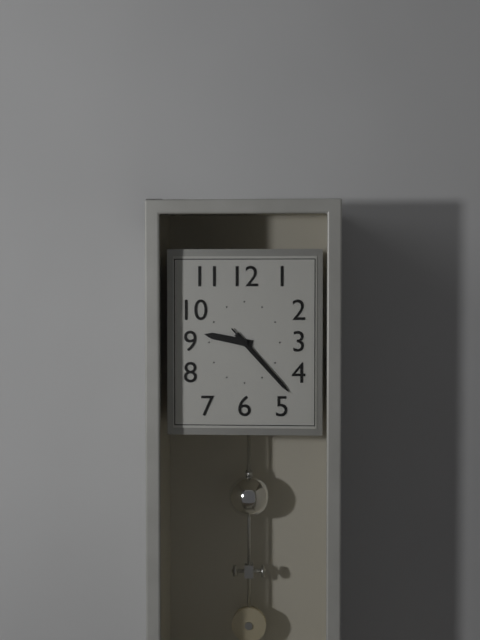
9:23:23
